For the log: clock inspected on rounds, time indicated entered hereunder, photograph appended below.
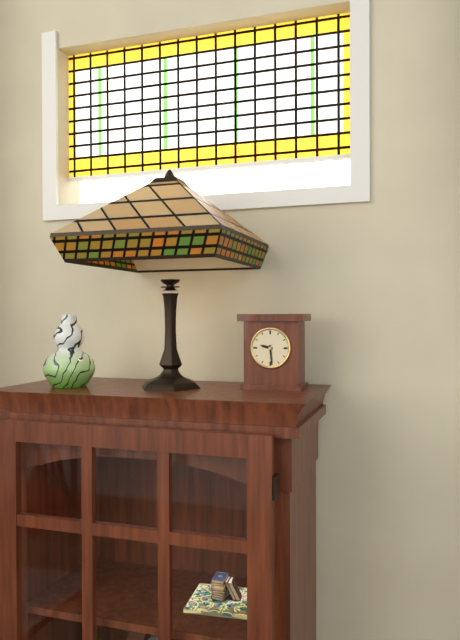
9:29
